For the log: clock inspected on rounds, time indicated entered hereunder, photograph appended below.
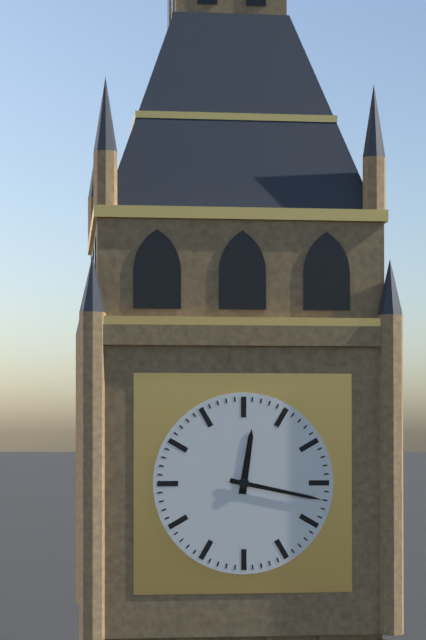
12:17
